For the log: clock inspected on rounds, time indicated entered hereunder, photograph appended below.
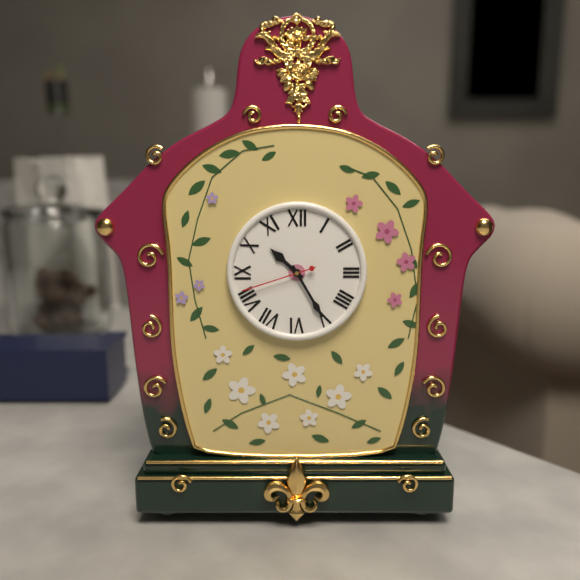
10:25:42
